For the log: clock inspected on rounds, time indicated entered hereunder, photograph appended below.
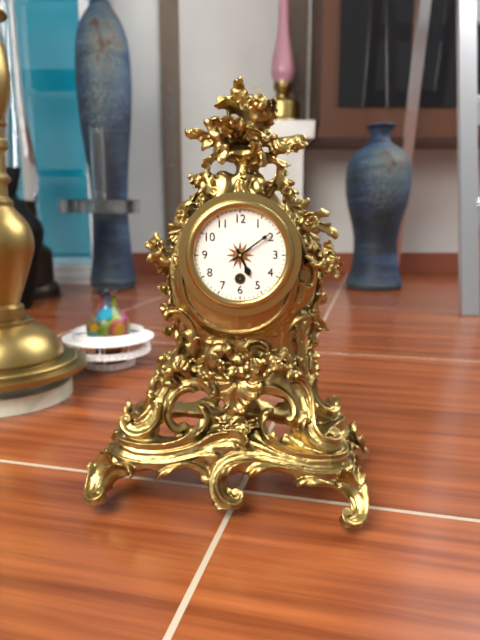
5:09
